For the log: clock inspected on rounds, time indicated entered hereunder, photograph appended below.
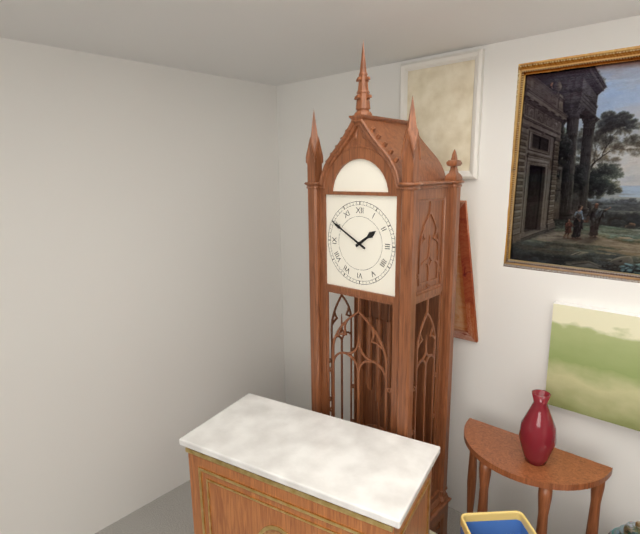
1:50
